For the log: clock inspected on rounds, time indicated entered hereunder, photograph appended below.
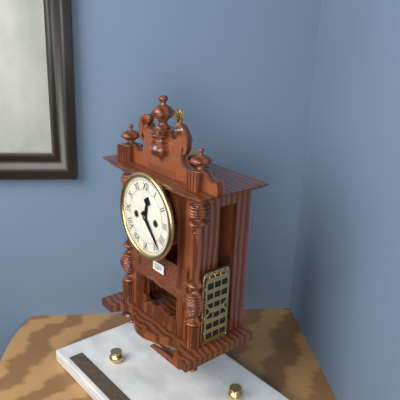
12:23
